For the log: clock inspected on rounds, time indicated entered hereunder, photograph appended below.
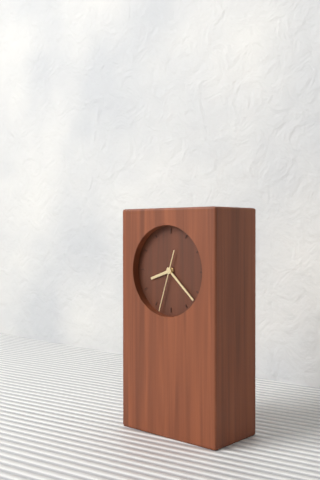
8:22:33
